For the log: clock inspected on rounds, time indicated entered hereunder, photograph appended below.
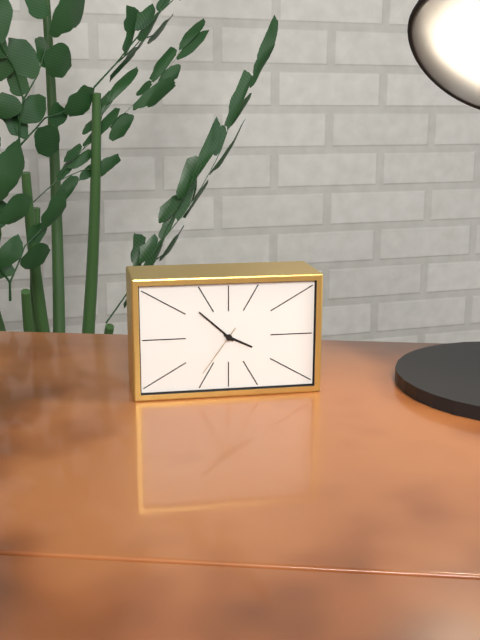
3:52:36
